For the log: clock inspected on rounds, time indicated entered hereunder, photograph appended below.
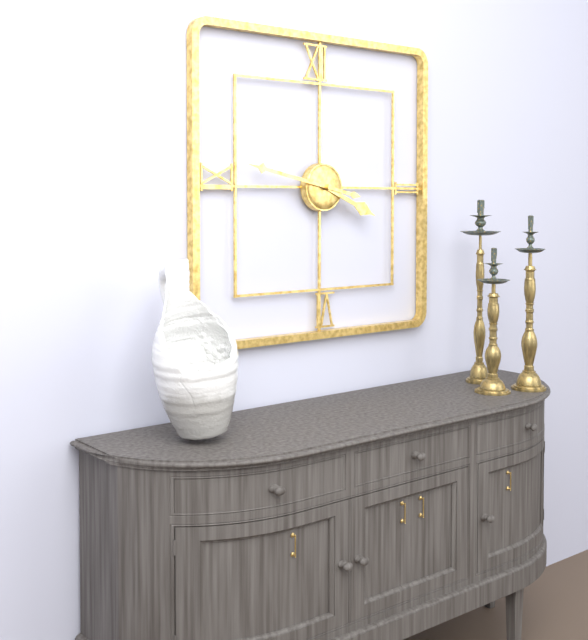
3:47
